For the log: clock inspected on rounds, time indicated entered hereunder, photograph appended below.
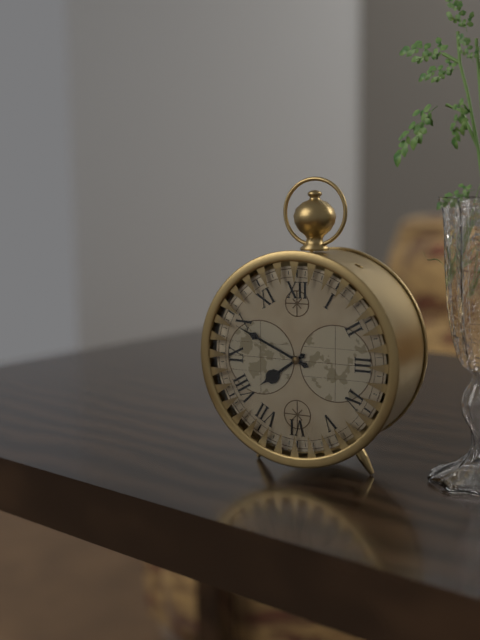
7:49
